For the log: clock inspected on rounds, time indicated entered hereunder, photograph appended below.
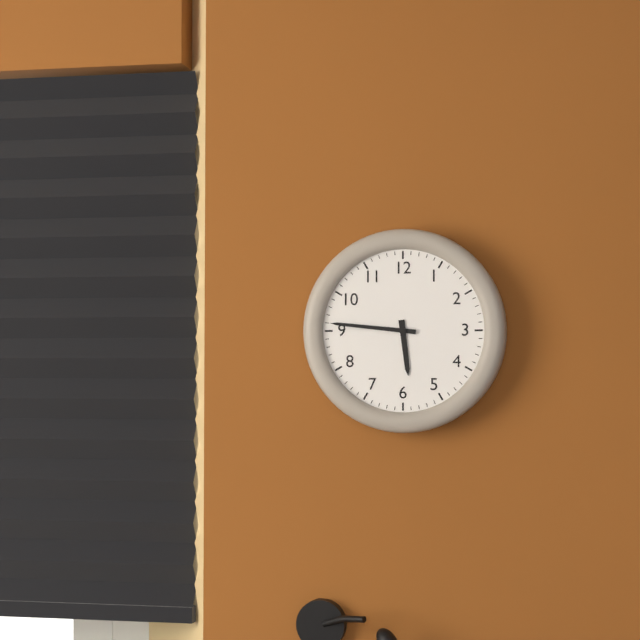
5:46
